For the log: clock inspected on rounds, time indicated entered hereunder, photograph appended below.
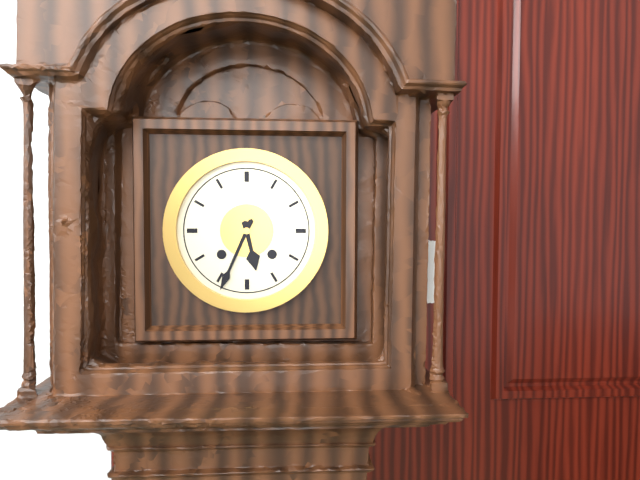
5:34
